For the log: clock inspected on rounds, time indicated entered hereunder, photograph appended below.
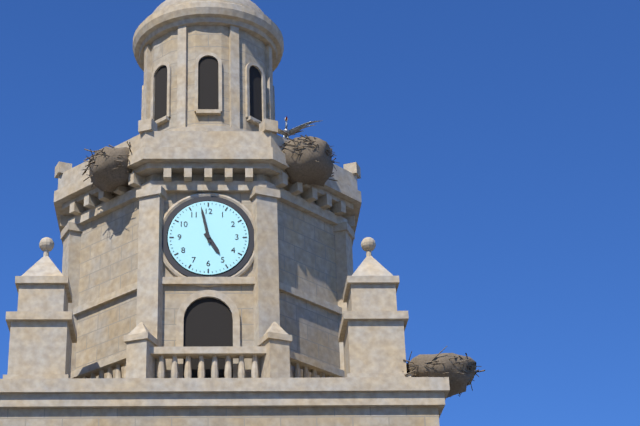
4:58
